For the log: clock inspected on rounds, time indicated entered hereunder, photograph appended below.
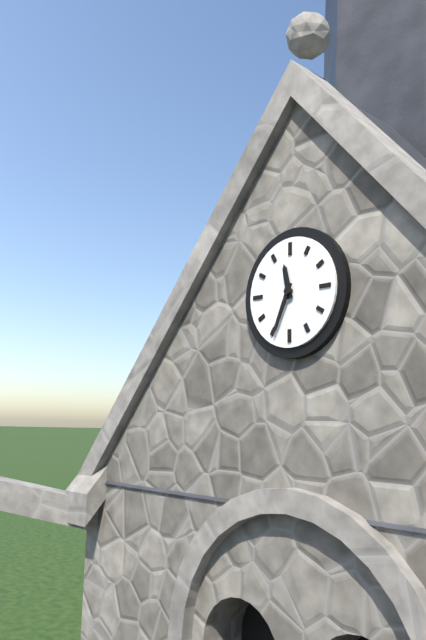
11:34
